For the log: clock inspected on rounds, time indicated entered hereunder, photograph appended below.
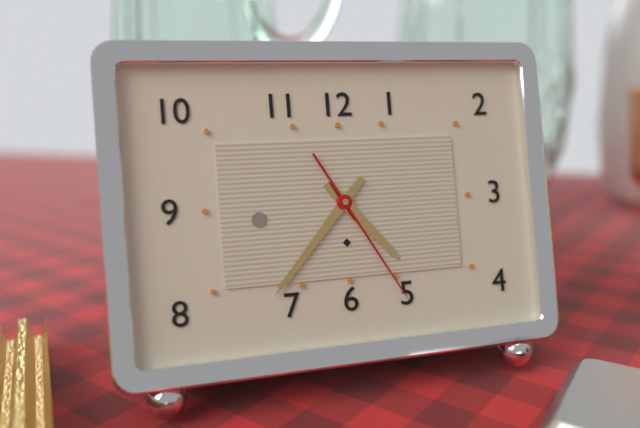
4:37:25
